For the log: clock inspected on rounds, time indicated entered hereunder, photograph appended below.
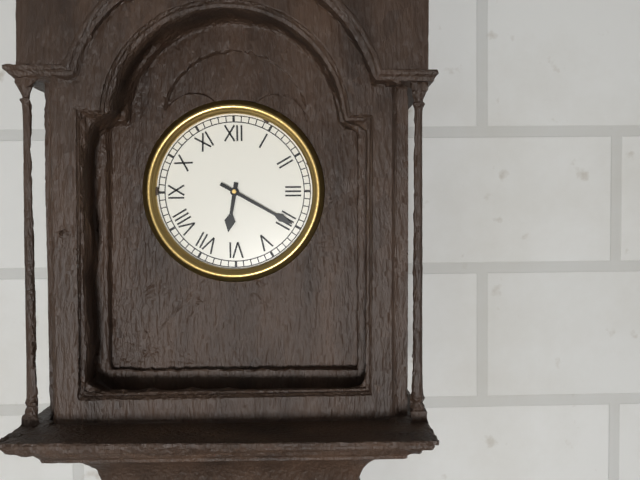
6:20
